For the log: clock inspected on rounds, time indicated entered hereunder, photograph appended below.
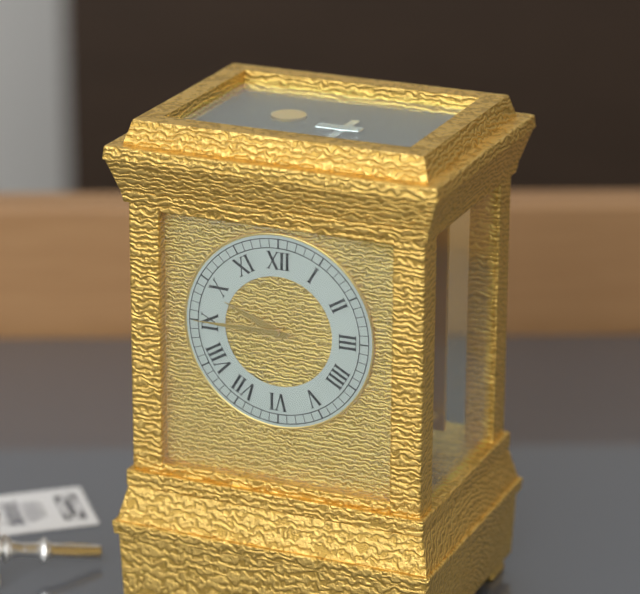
9:45
